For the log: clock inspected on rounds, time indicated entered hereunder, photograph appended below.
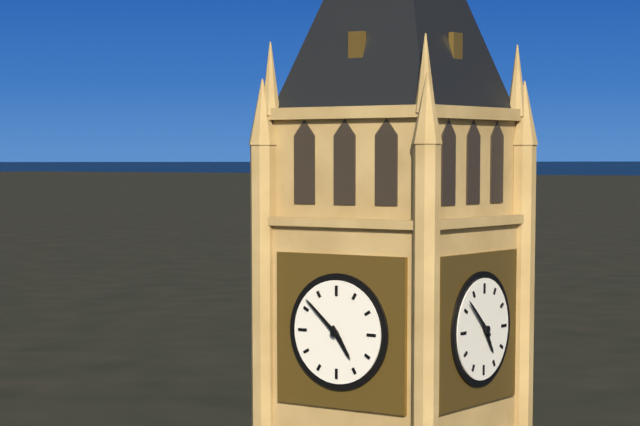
4:52
